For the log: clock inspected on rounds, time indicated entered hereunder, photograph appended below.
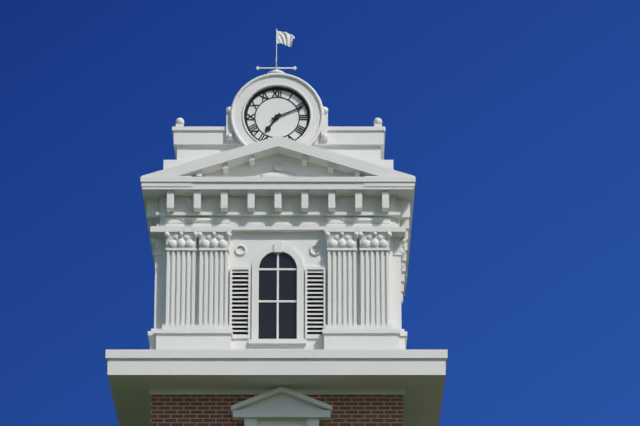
7:11
